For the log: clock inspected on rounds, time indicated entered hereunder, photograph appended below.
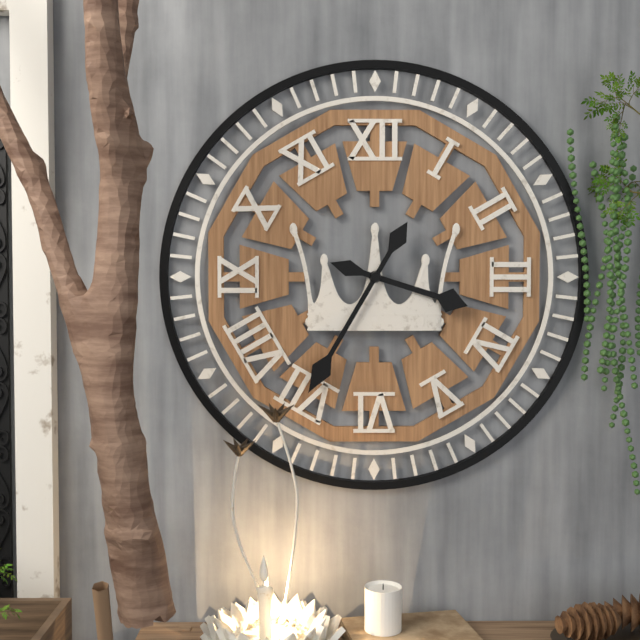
3:35
